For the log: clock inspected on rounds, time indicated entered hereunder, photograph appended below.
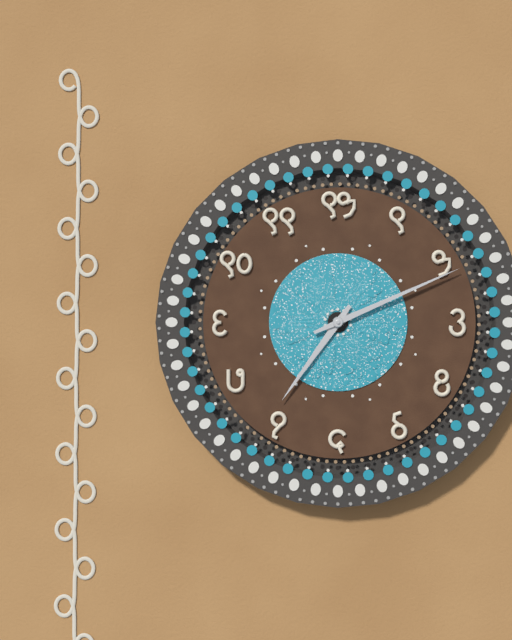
7:11
